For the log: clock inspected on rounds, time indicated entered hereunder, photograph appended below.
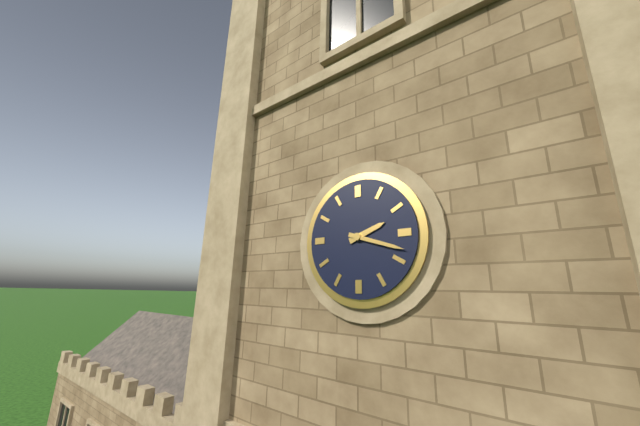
2:18
